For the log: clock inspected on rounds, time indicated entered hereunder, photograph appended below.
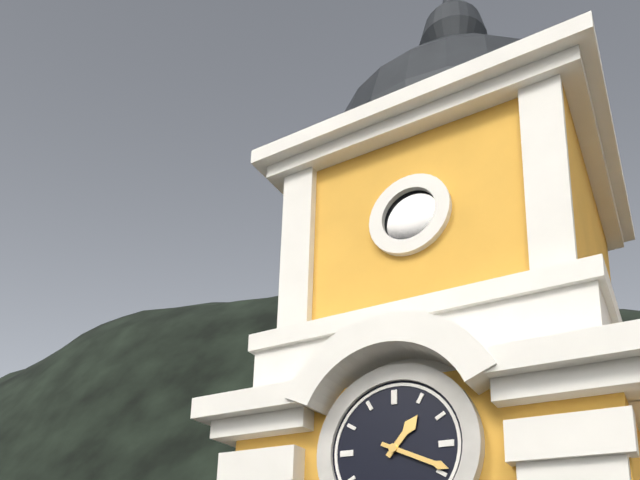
1:19
